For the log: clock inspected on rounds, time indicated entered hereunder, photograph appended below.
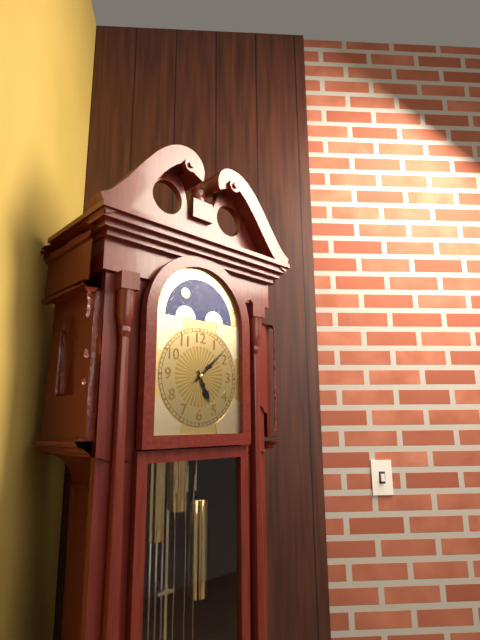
5:08
